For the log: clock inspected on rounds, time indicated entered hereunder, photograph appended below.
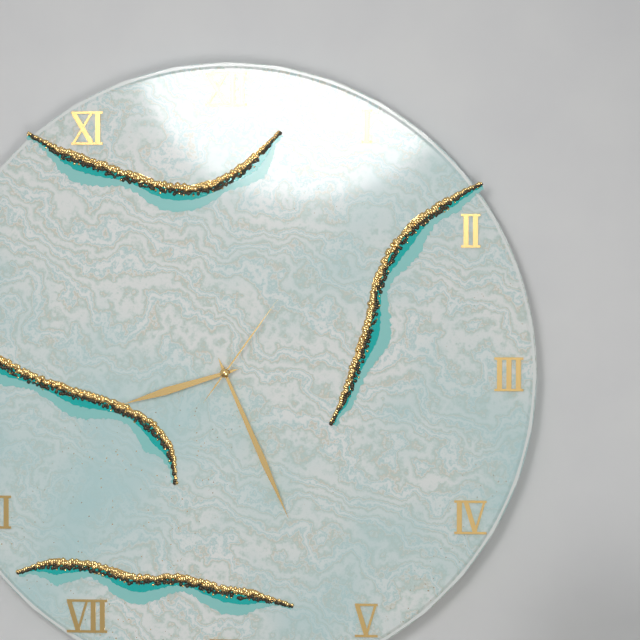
8:26:06
